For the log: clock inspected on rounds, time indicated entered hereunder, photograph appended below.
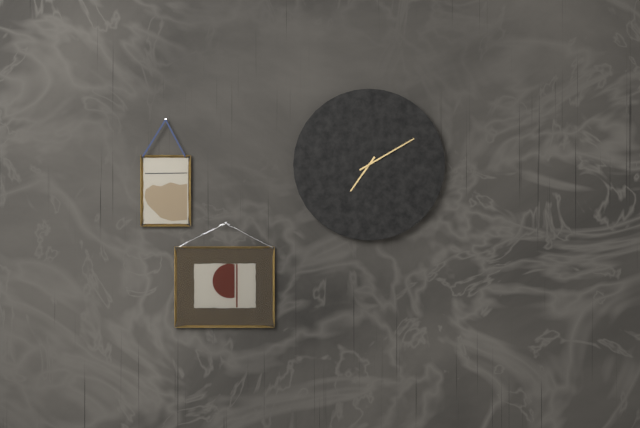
7:10
